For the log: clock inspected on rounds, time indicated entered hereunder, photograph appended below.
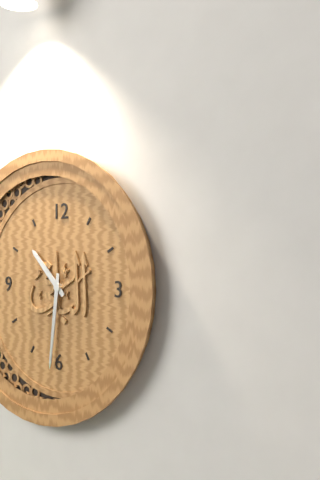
10:31
